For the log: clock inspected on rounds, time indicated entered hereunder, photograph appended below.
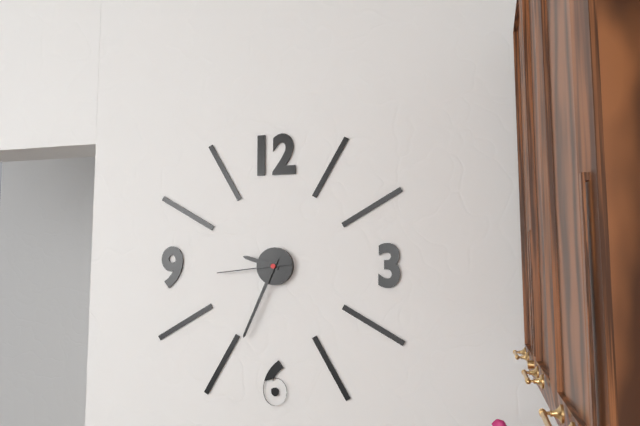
9:34:44
